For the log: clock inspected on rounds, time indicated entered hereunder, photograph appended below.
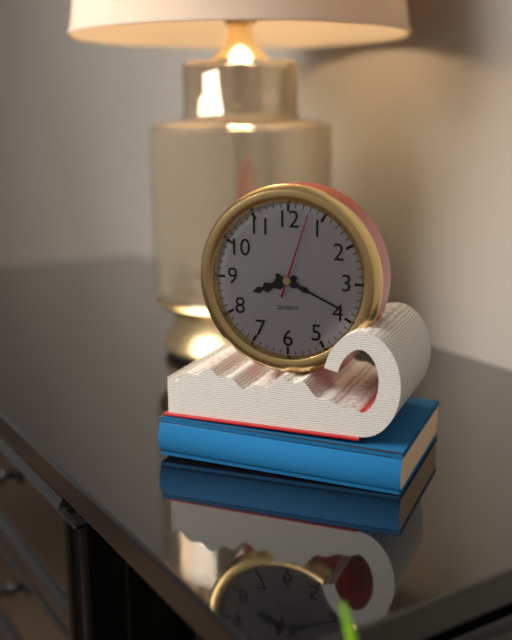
8:19:03
